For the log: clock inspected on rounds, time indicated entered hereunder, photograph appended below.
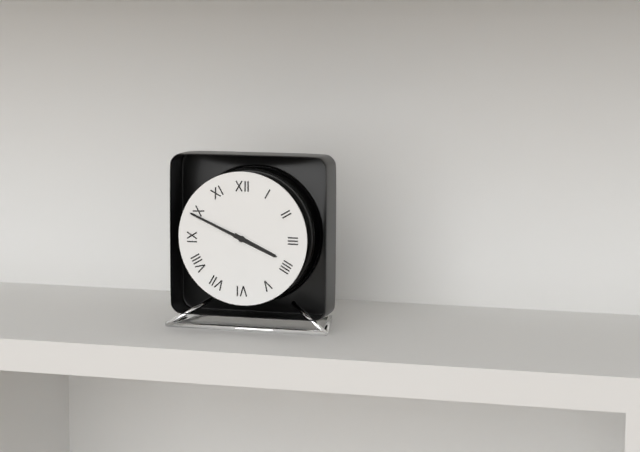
3:49
